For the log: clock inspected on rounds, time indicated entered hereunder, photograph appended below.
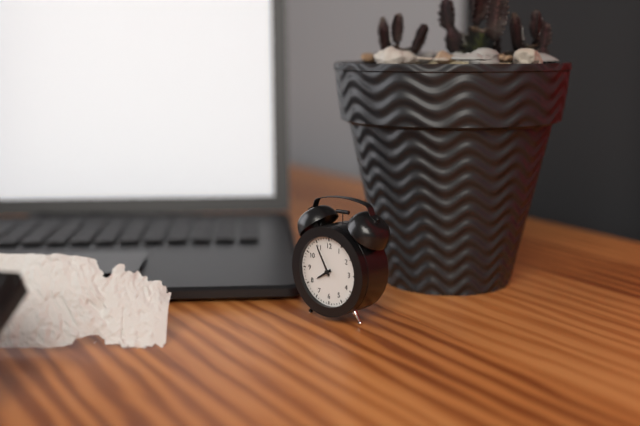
7:55
